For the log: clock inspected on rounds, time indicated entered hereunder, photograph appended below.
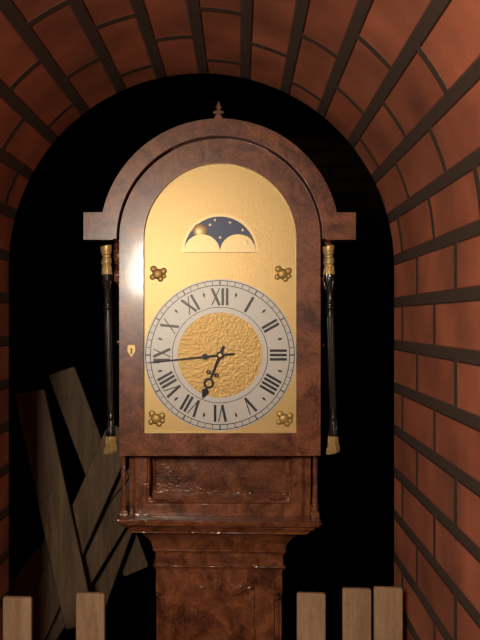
6:44
